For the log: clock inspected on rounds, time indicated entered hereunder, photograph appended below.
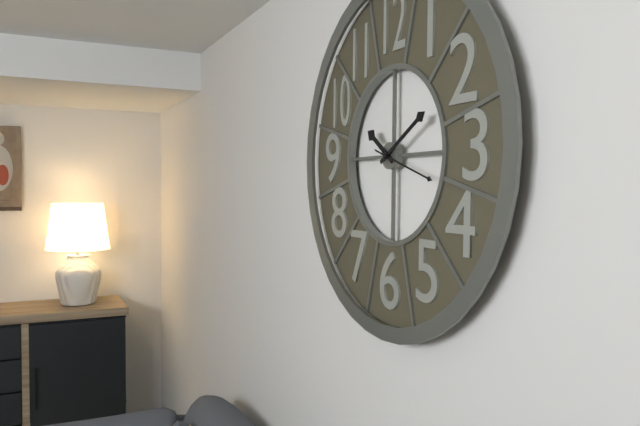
10:10
